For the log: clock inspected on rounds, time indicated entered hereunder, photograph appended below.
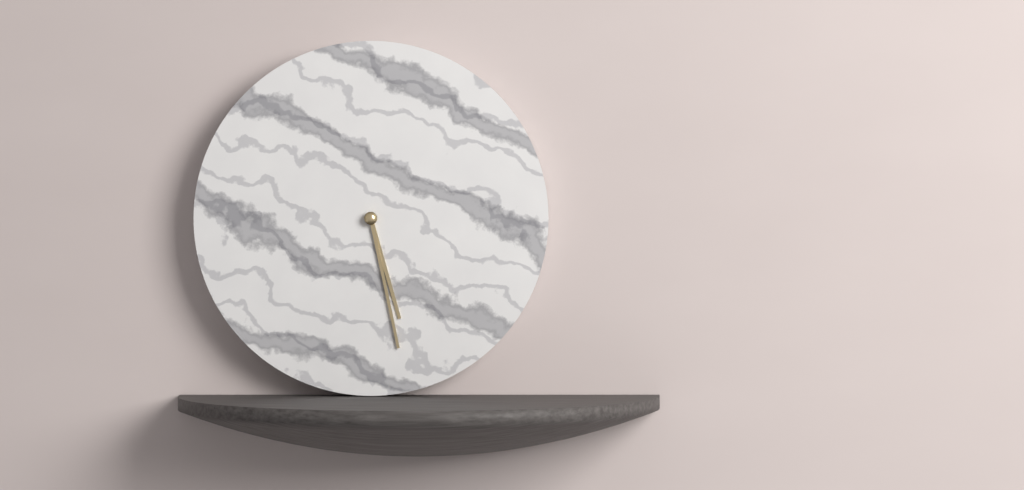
5:28
